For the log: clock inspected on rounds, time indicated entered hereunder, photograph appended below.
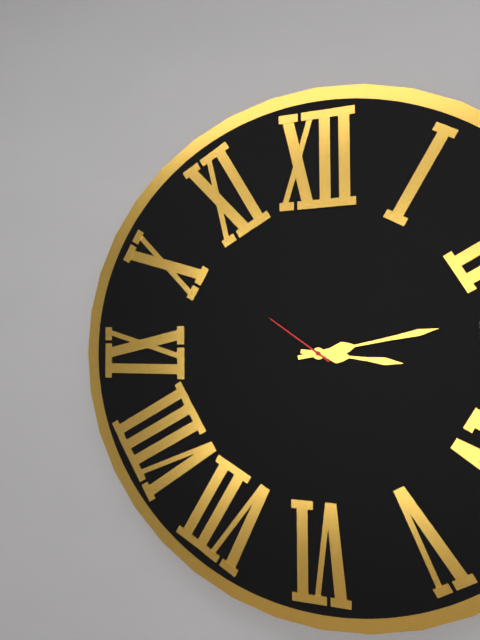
3:13:51
